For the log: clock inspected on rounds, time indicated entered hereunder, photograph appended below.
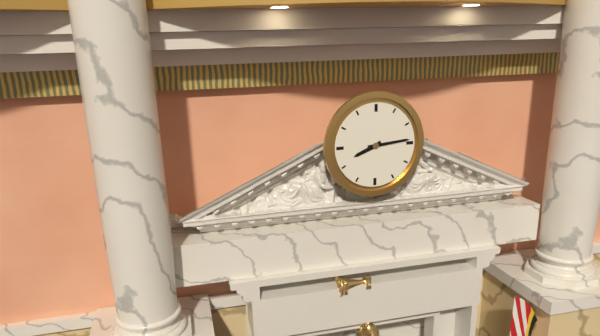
8:14
